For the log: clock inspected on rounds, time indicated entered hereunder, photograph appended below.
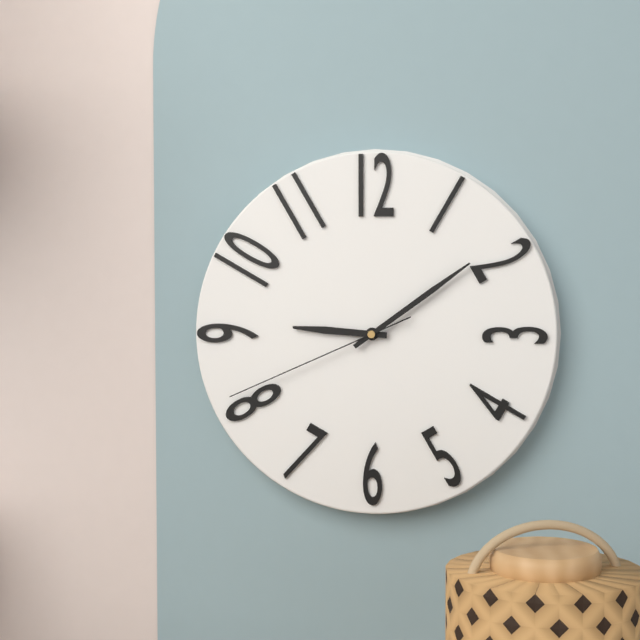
9:09:41
